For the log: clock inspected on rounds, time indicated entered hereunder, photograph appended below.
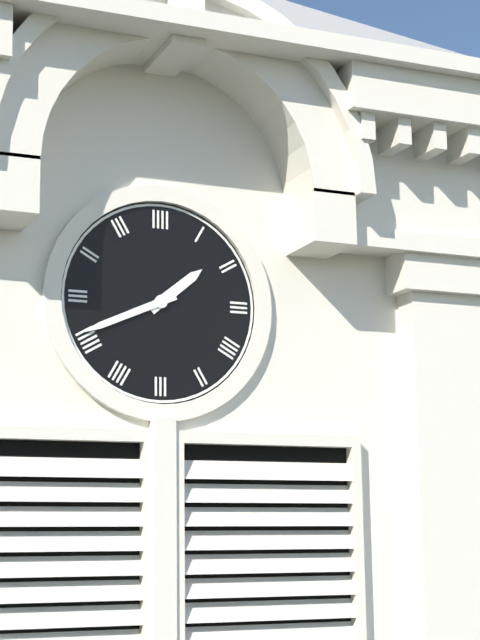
1:41
